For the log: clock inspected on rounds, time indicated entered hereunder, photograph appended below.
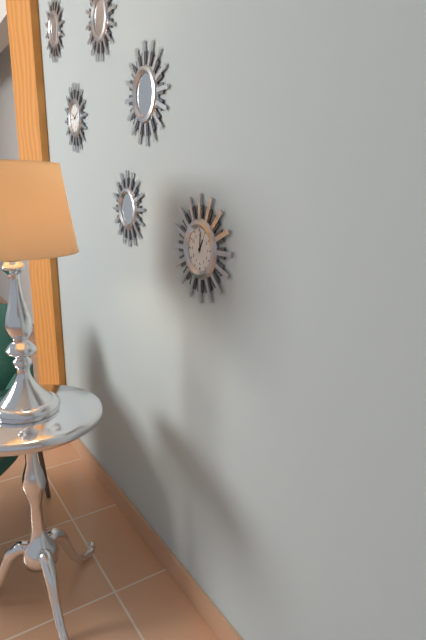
1:01
